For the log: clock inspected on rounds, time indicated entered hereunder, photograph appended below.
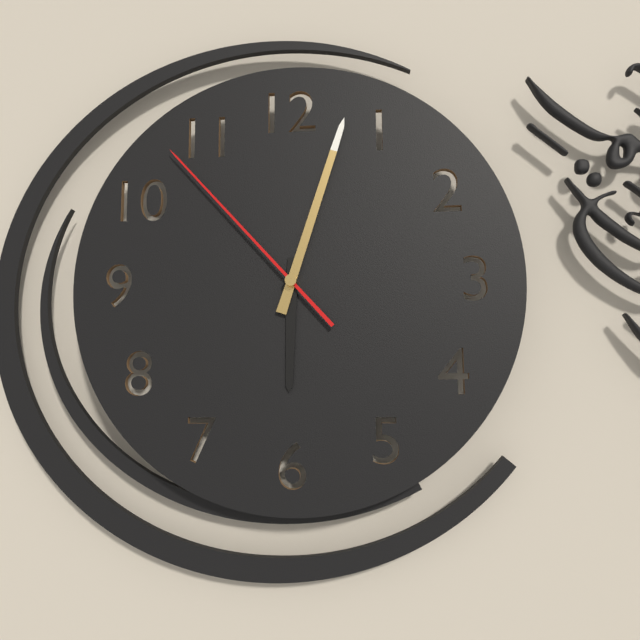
6:03:53
